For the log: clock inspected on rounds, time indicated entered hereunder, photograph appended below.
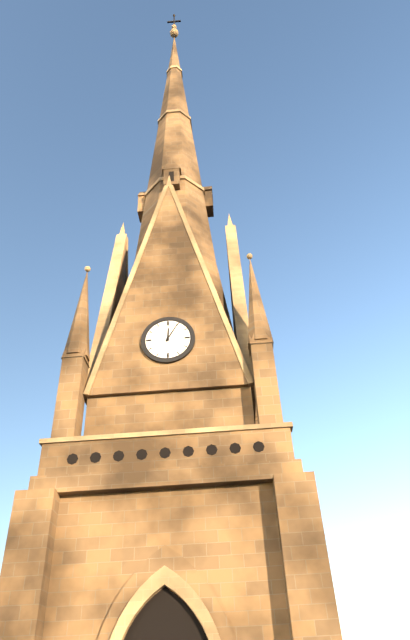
12:05
